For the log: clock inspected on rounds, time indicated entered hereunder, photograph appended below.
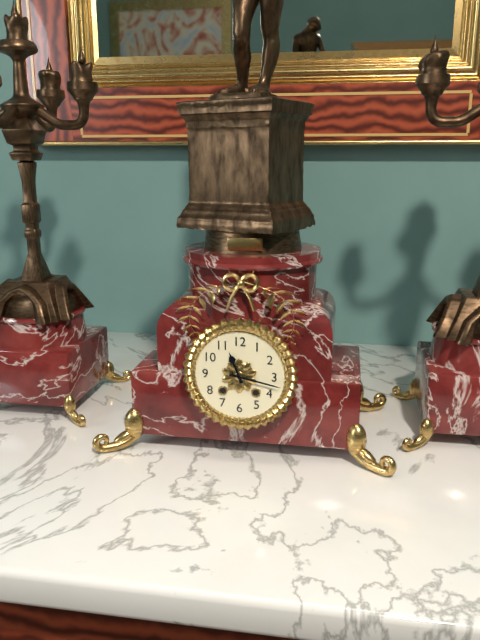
11:17
